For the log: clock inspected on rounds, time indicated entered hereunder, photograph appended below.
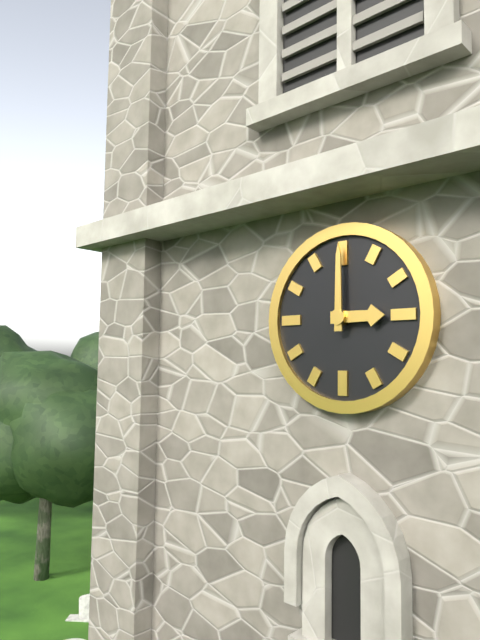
3:00
